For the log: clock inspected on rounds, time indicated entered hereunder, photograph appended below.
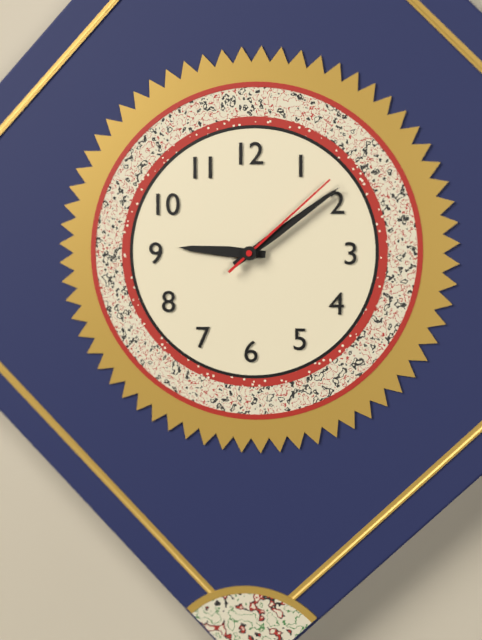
9:09:08
